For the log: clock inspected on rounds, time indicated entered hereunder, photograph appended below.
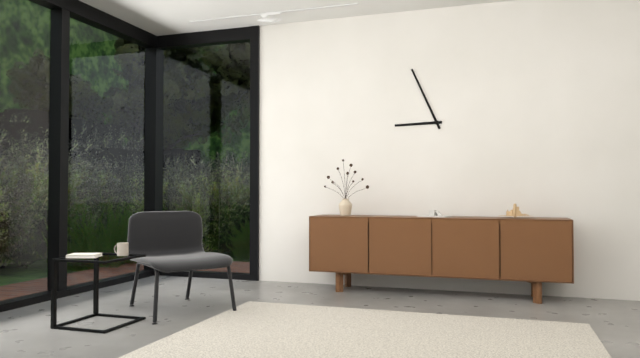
8:56
